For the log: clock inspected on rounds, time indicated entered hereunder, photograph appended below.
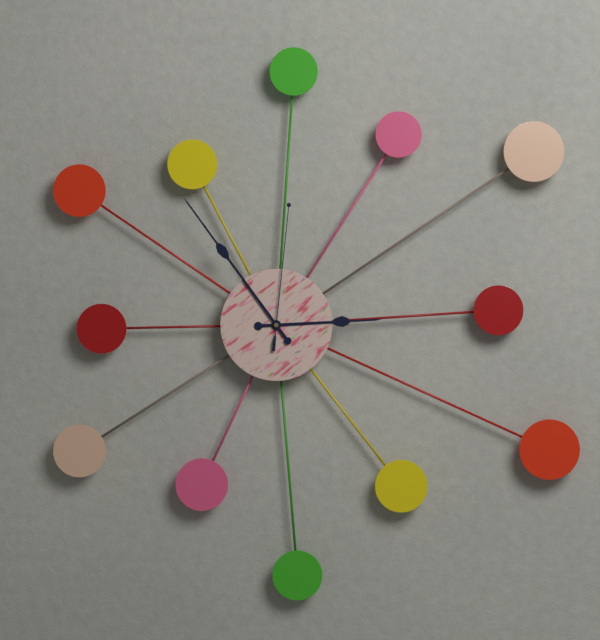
2:54:01
